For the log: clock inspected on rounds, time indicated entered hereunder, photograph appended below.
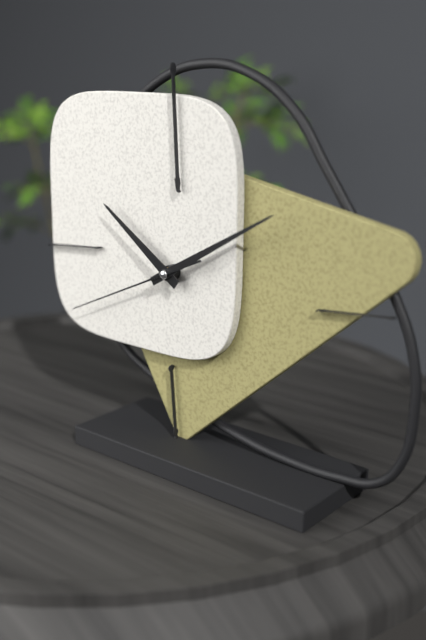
10:10:41
